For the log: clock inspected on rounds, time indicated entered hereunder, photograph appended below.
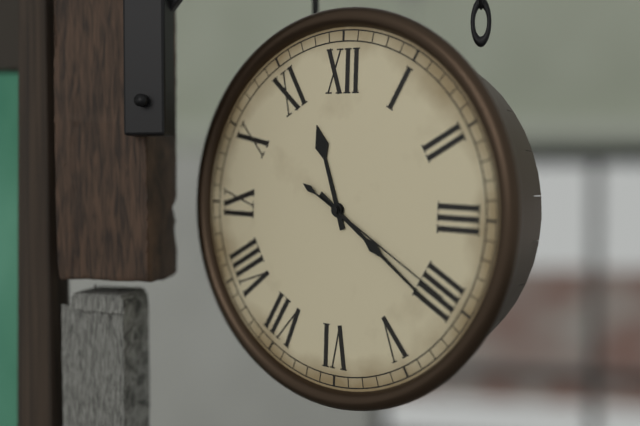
11:21:20
